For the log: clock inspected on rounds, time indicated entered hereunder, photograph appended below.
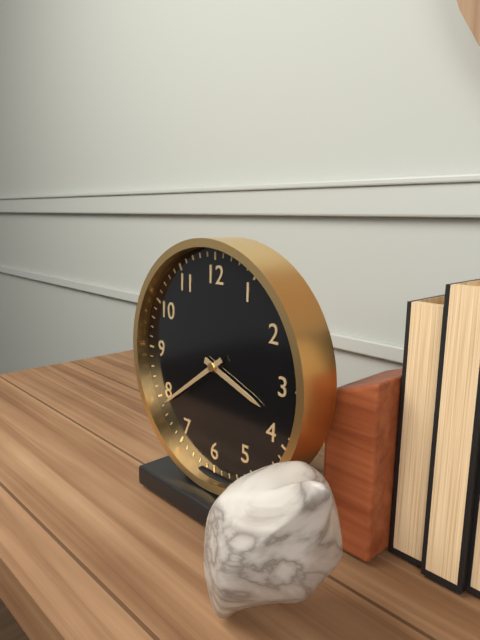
3:39
